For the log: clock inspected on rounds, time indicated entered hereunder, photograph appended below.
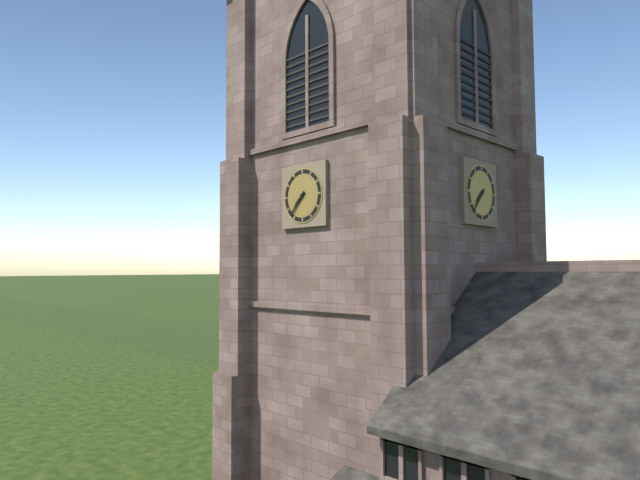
7:37
